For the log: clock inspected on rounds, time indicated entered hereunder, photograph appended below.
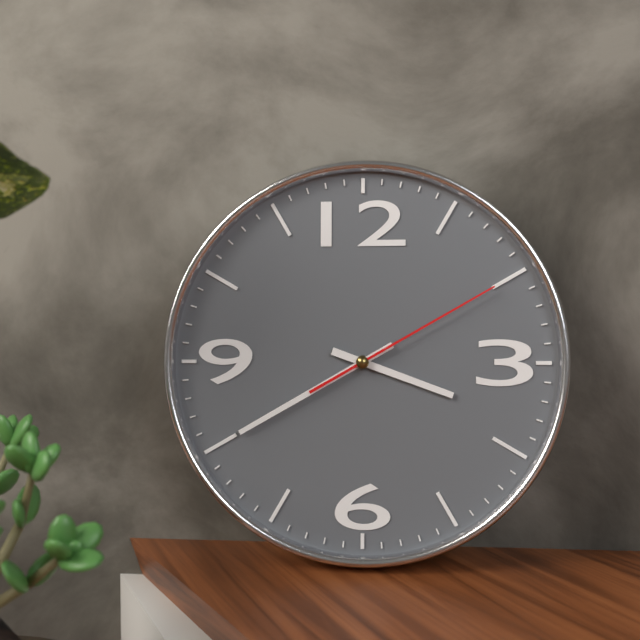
3:40:10
